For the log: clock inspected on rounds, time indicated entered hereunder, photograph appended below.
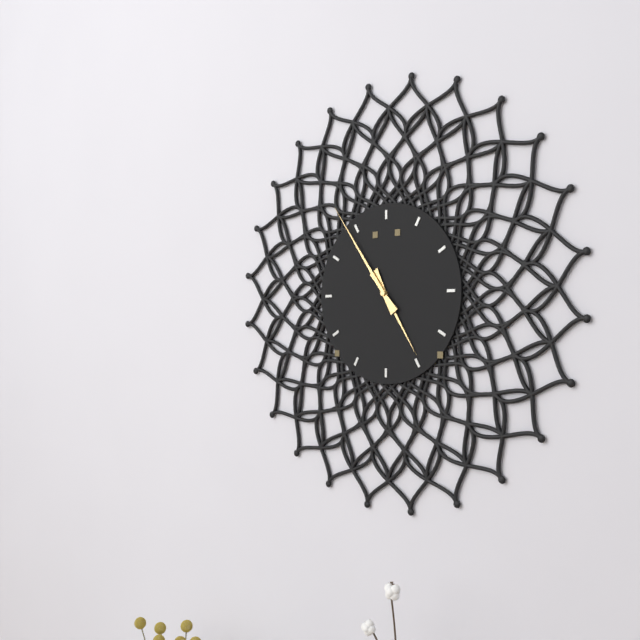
4:54
